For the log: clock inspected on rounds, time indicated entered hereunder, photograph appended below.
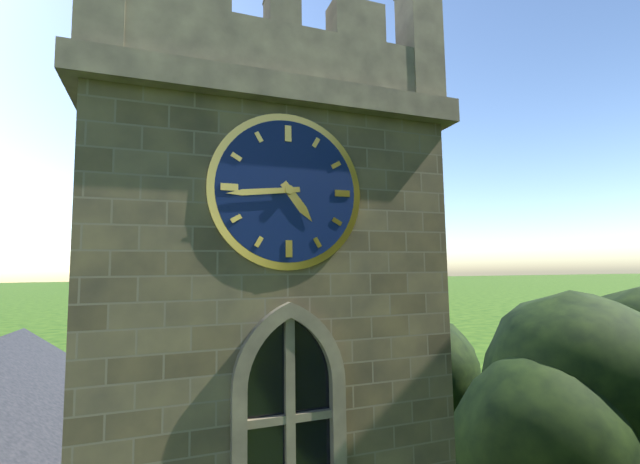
4:44
